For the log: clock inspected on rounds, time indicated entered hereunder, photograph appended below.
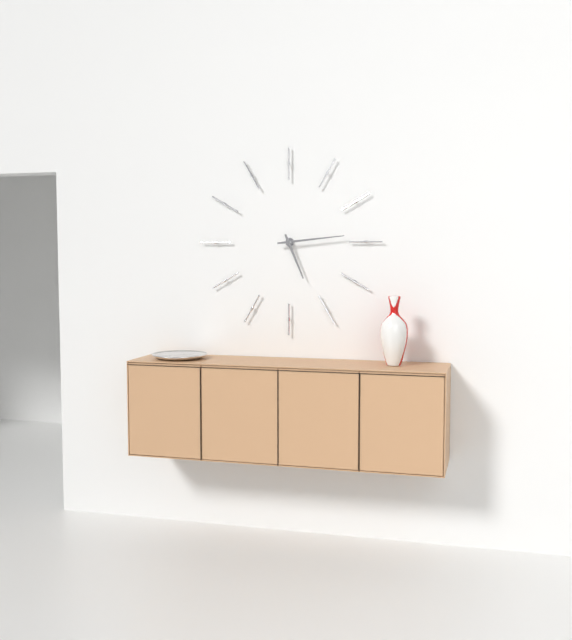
5:14
